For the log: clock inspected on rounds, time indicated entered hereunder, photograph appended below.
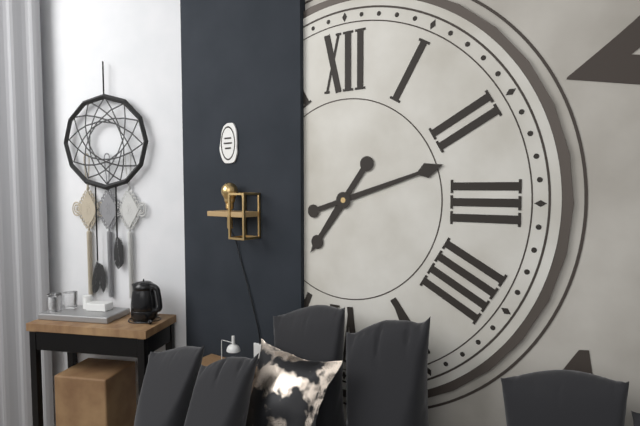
7:12
